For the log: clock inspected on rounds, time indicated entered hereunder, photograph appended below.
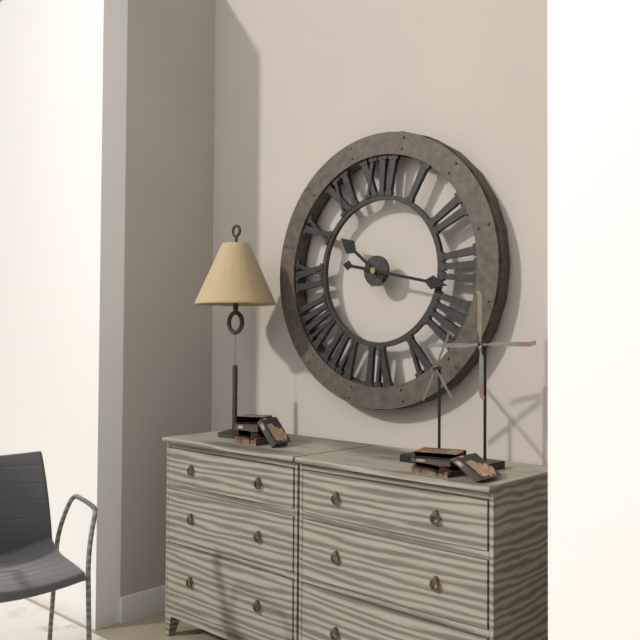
10:17
